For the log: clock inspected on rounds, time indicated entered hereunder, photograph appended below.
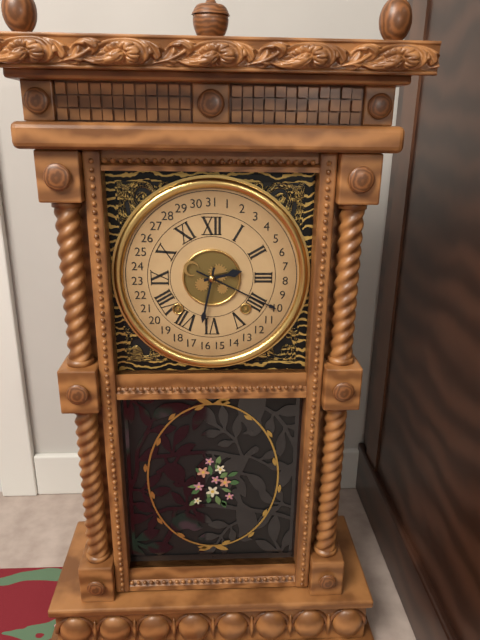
2:32
